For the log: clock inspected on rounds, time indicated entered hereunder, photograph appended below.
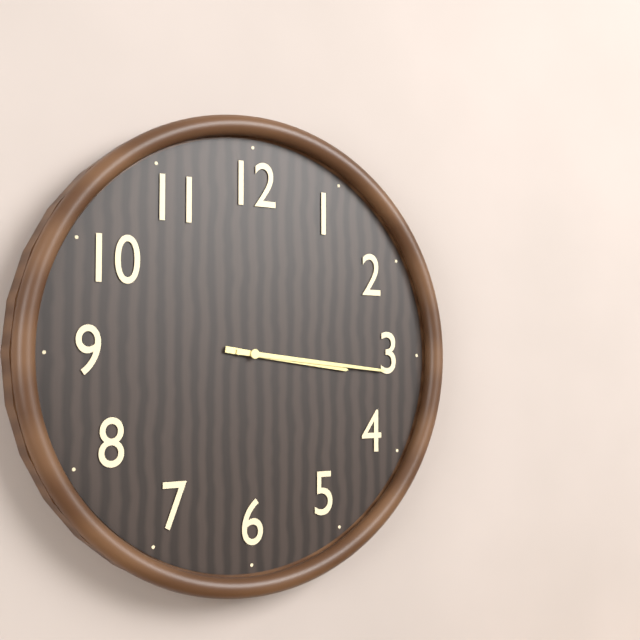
3:16
